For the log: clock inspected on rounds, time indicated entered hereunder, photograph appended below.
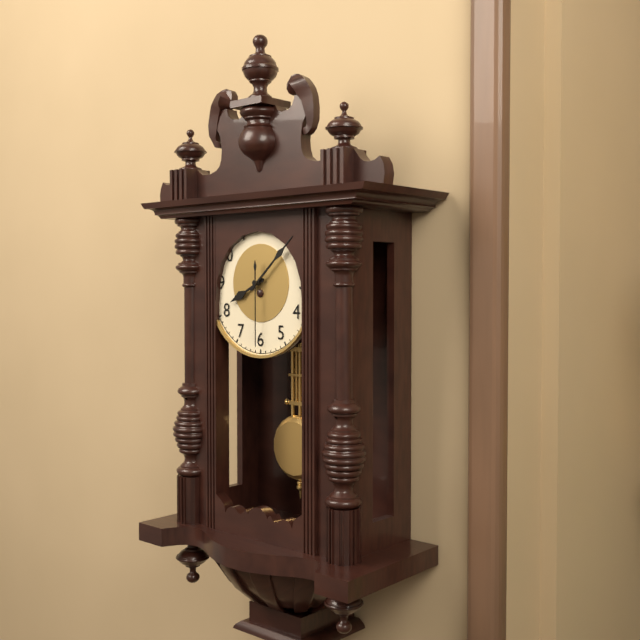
8:08:30
